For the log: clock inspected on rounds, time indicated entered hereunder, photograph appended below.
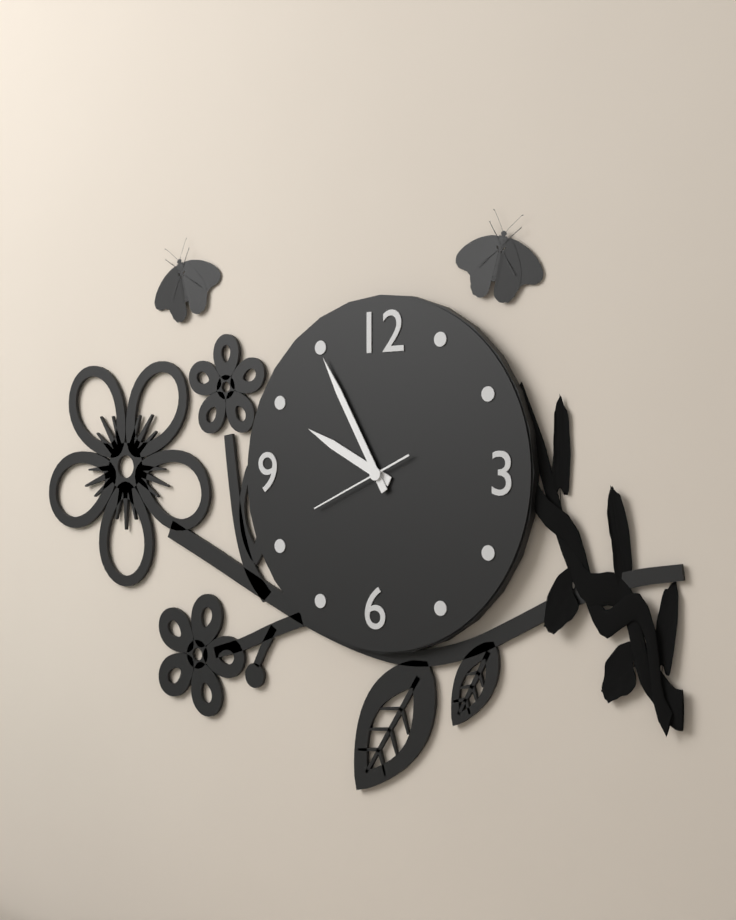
9:55:41
